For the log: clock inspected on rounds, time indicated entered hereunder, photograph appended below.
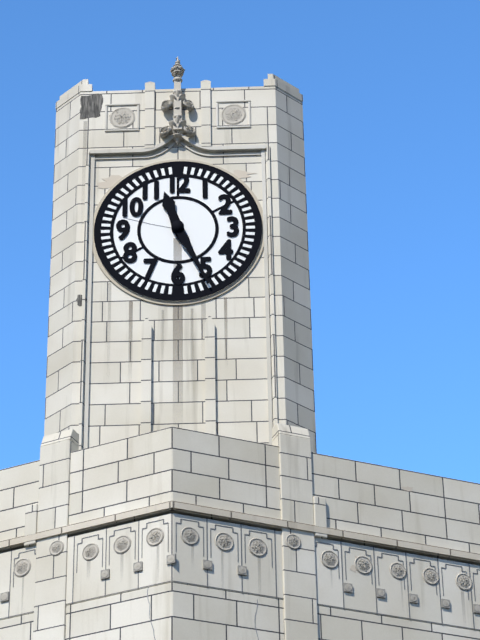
11:26
